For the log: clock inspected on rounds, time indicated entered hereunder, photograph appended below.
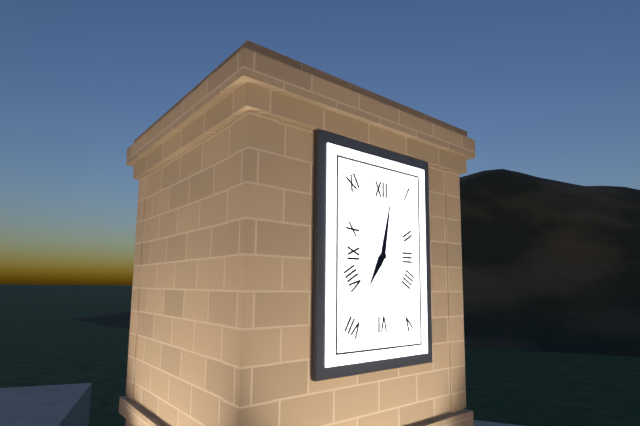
7:02
